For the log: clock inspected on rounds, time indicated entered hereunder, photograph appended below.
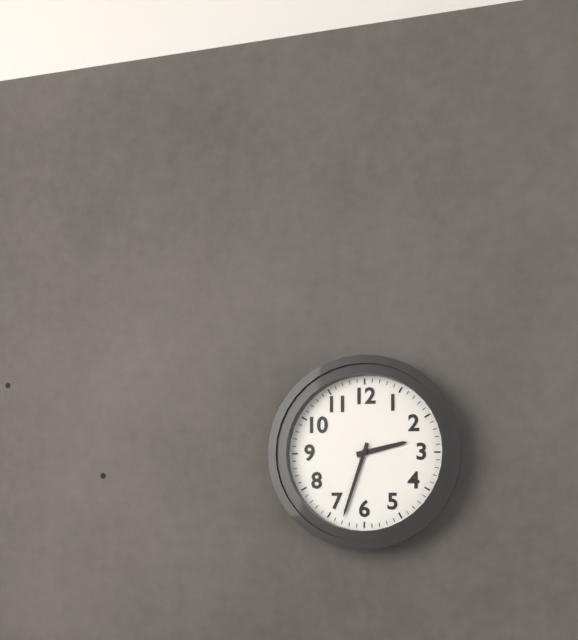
2:33
